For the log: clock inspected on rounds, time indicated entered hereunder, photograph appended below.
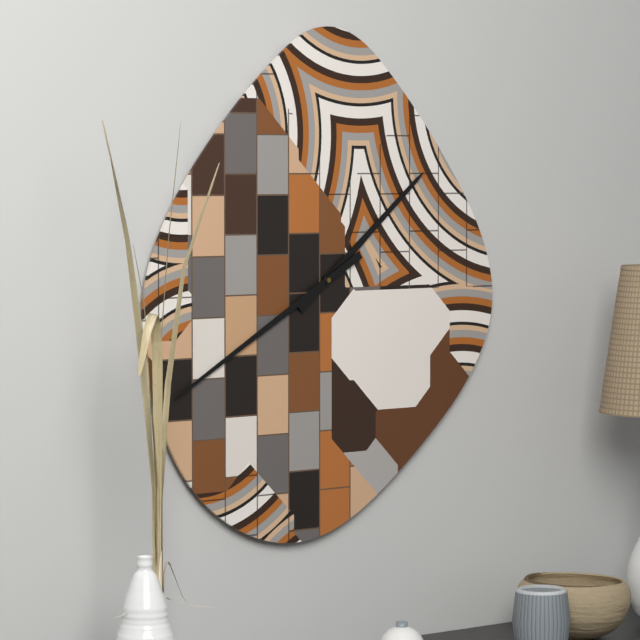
1:40
